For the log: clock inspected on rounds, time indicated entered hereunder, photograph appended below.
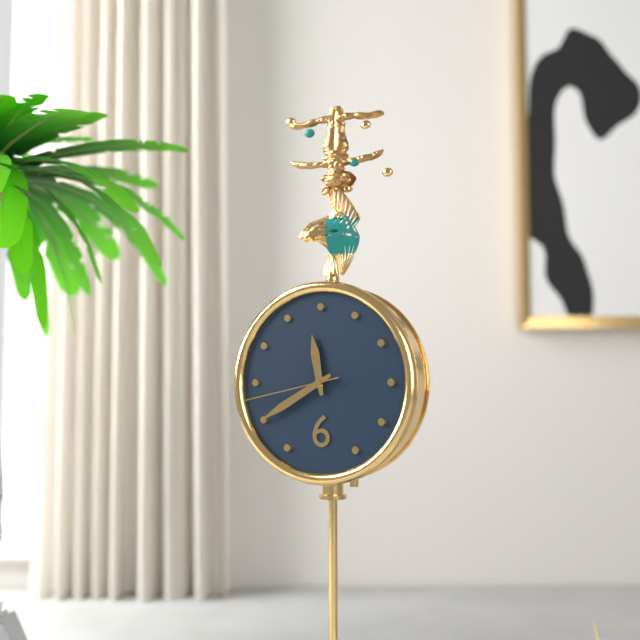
11:40:43
